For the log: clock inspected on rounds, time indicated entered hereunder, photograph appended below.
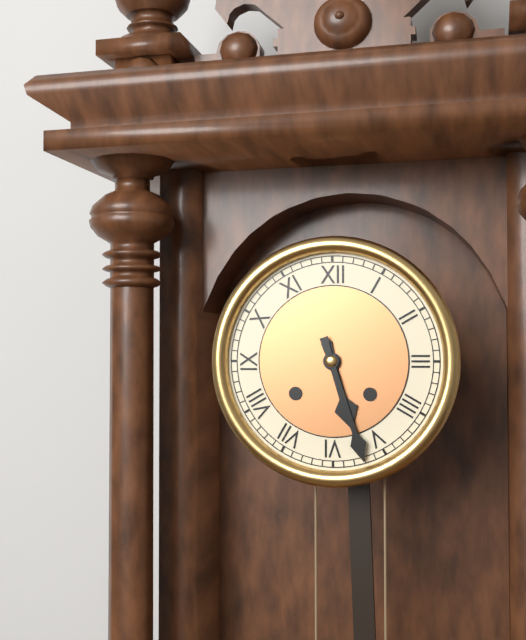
5:27
